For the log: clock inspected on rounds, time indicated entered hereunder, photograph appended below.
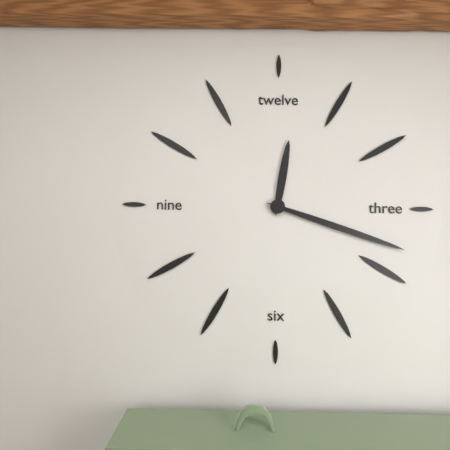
12:18
